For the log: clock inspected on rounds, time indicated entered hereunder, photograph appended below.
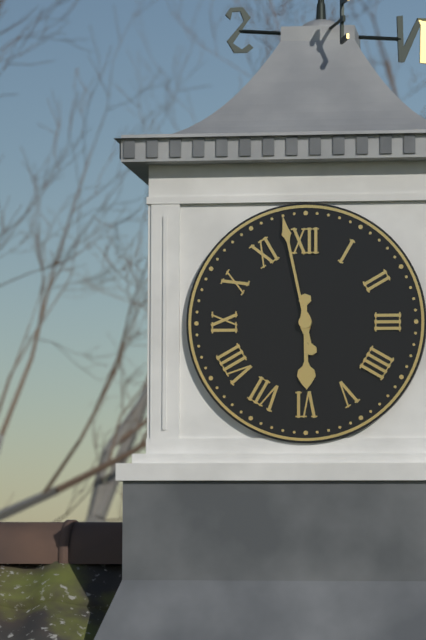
5:58
